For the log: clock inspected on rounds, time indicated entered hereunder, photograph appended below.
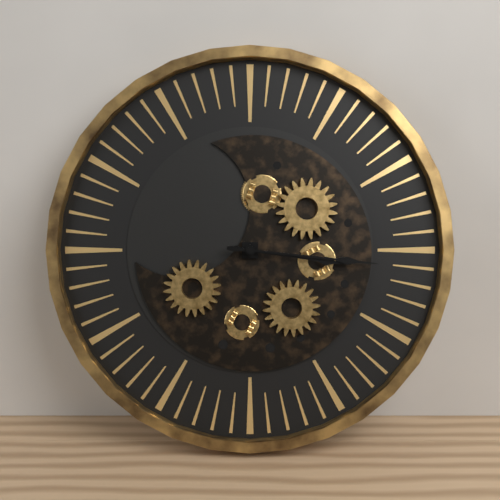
3:16
